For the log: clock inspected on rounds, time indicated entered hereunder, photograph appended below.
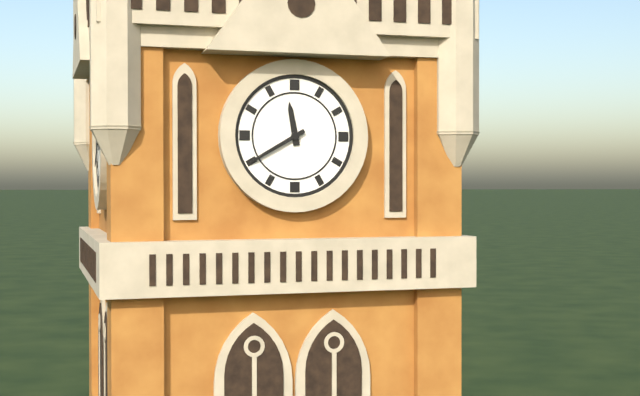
11:40
